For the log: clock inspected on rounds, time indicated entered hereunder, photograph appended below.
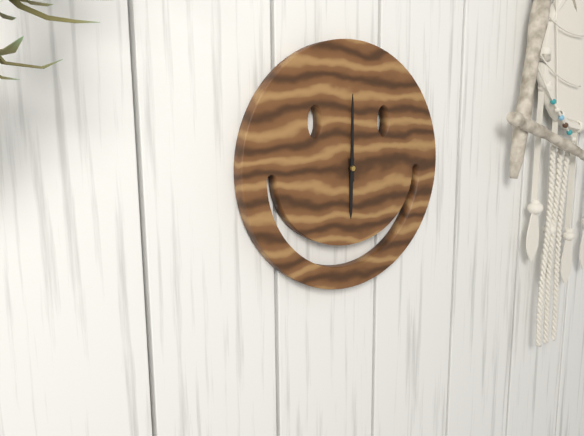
6:00
